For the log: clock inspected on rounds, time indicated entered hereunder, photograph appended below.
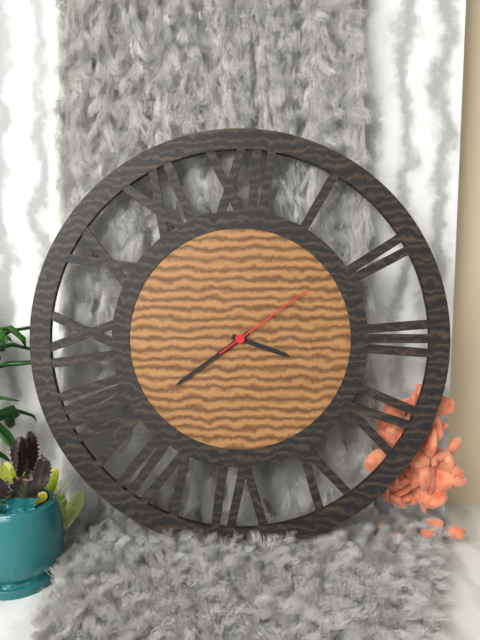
3:39:09
